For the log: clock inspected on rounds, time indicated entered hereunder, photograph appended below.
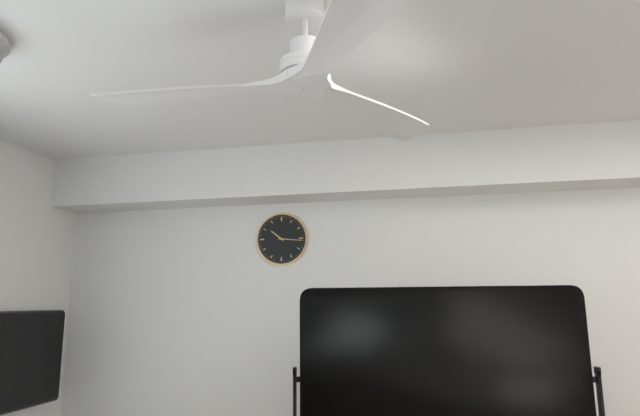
10:16
